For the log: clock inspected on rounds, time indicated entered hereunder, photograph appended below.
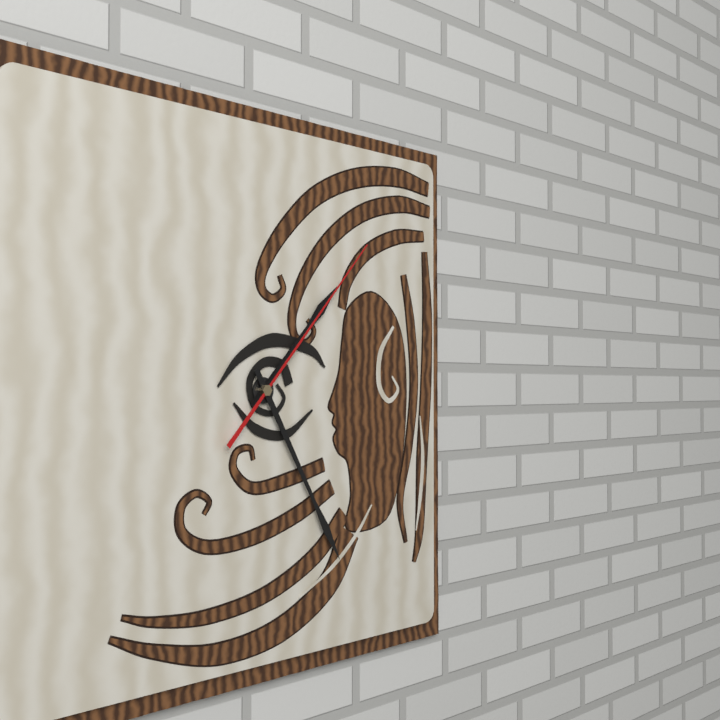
1:25:07
